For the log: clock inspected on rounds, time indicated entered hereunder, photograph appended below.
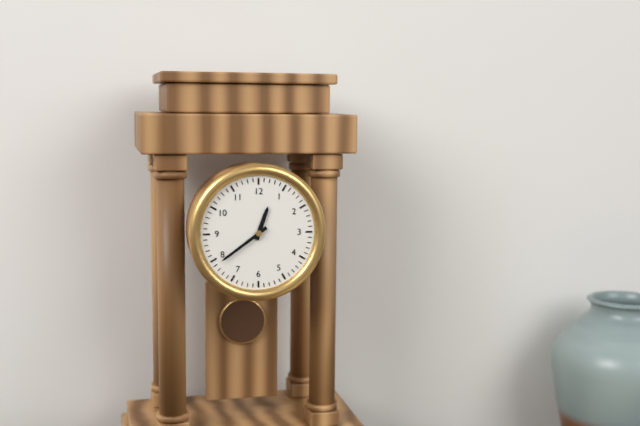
12:39
